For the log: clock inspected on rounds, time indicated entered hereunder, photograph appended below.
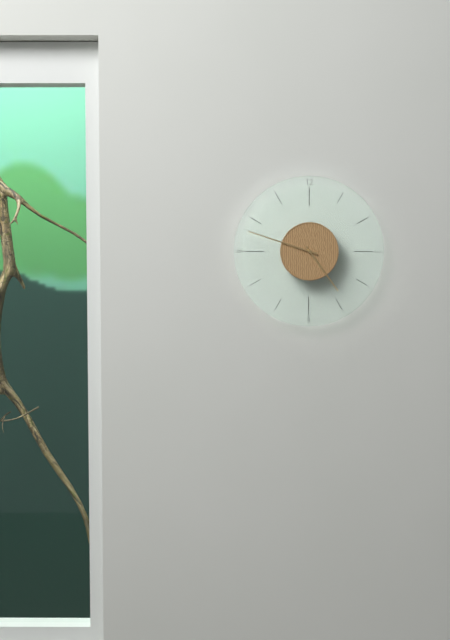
4:48
